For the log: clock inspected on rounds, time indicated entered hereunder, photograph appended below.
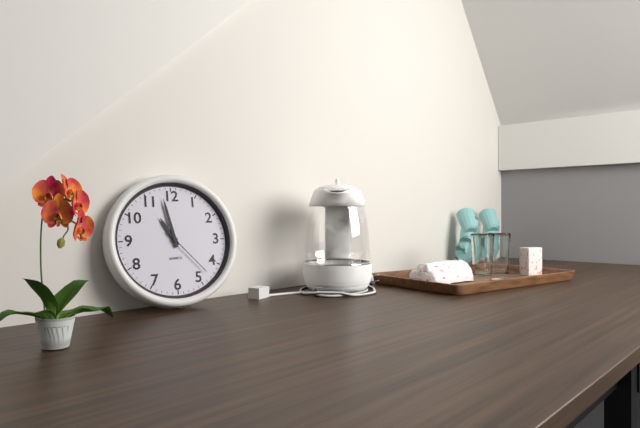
10:58:23
